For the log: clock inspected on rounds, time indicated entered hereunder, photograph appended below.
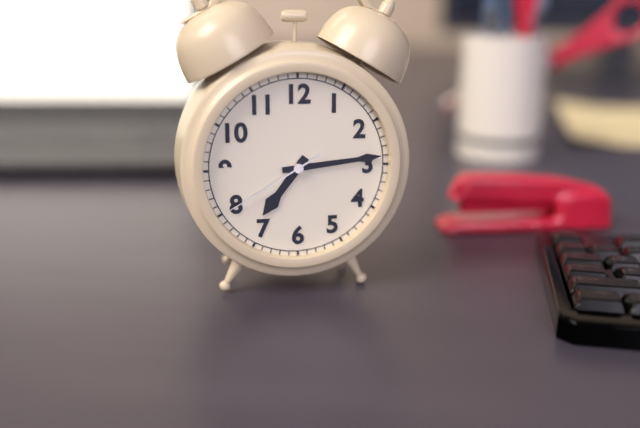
7:14:40
